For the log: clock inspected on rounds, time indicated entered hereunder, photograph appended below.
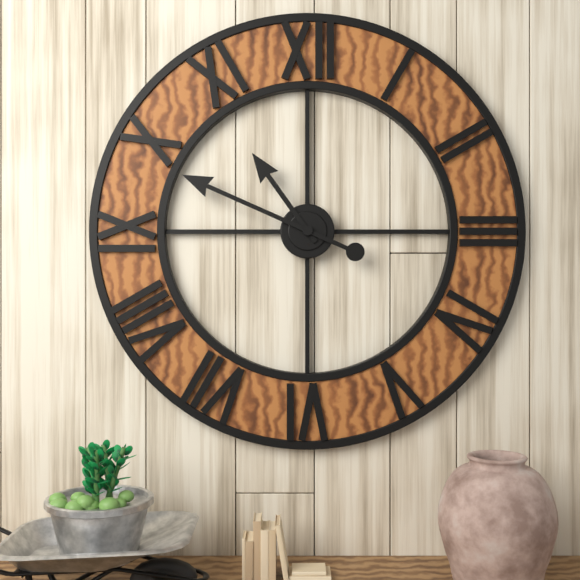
10:49
